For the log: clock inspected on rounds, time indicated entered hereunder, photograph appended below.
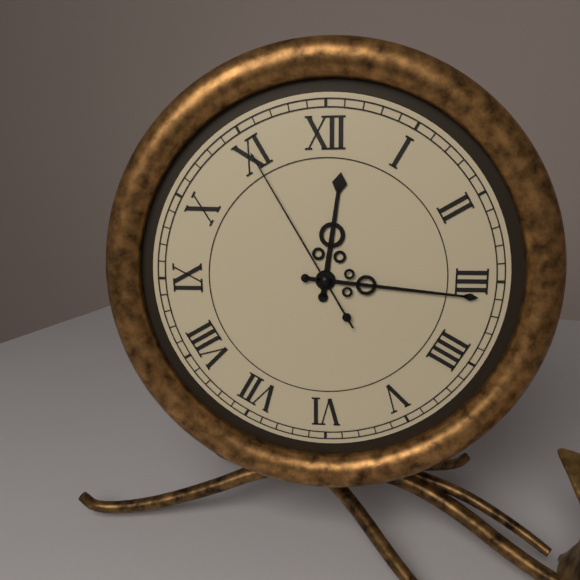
12:16:55
